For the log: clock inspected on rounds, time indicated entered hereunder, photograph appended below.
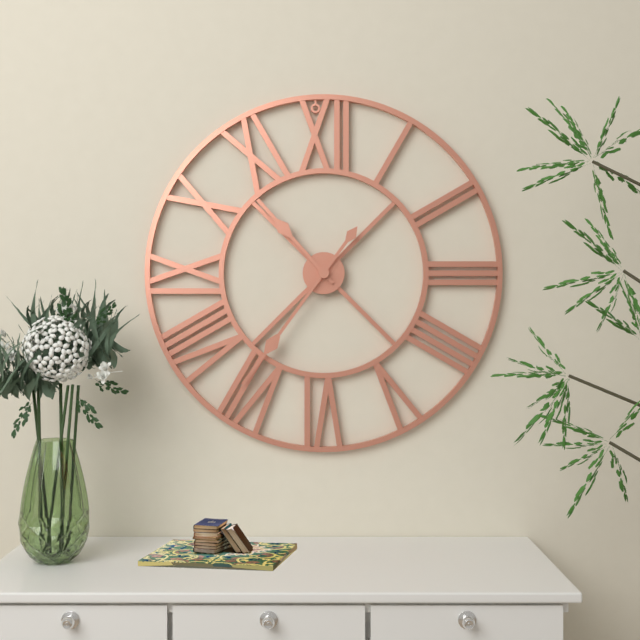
10:36
